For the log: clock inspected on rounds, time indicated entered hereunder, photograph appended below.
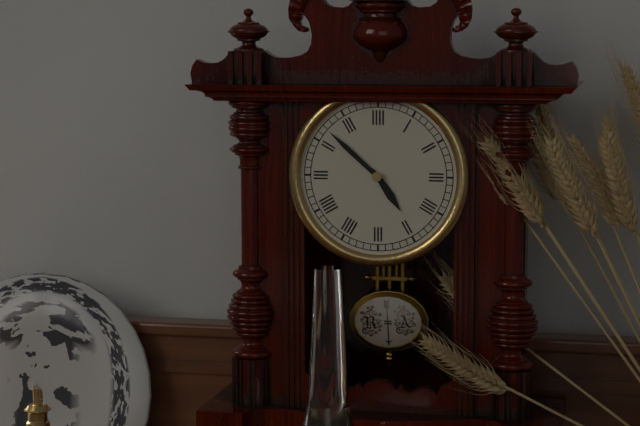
4:52
